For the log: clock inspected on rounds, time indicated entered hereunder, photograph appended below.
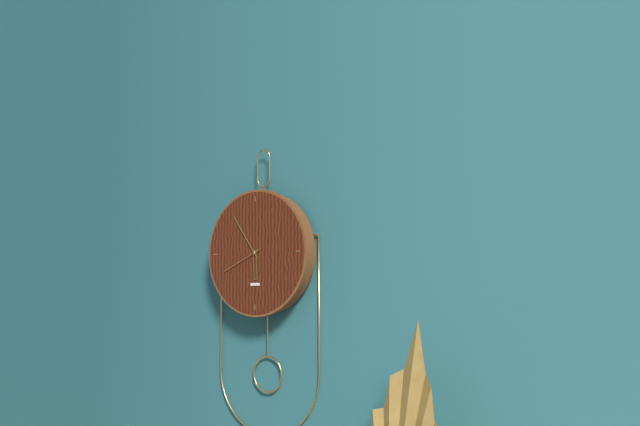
5:54
